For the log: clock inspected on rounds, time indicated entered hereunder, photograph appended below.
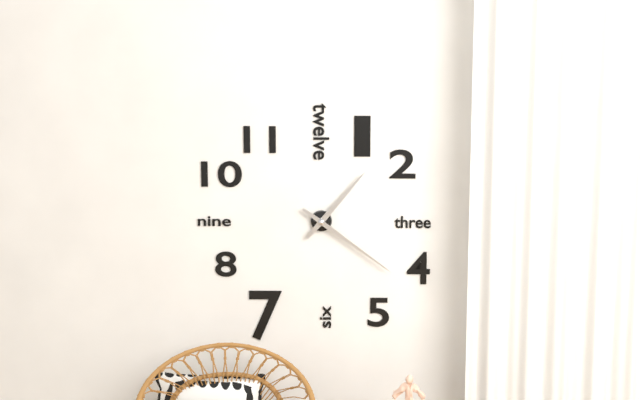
1:21
